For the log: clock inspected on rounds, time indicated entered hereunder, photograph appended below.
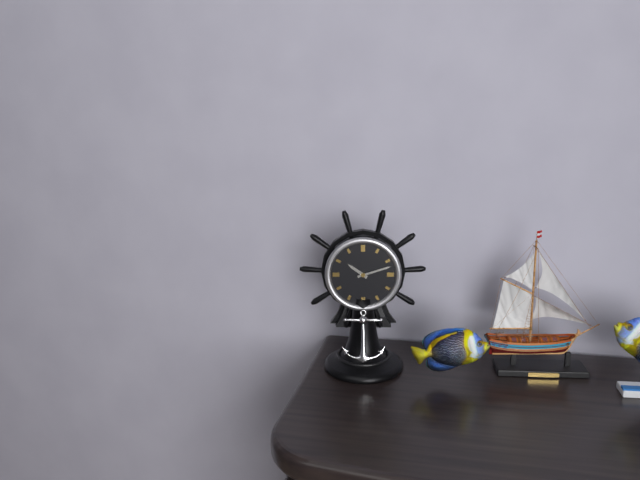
10:12
